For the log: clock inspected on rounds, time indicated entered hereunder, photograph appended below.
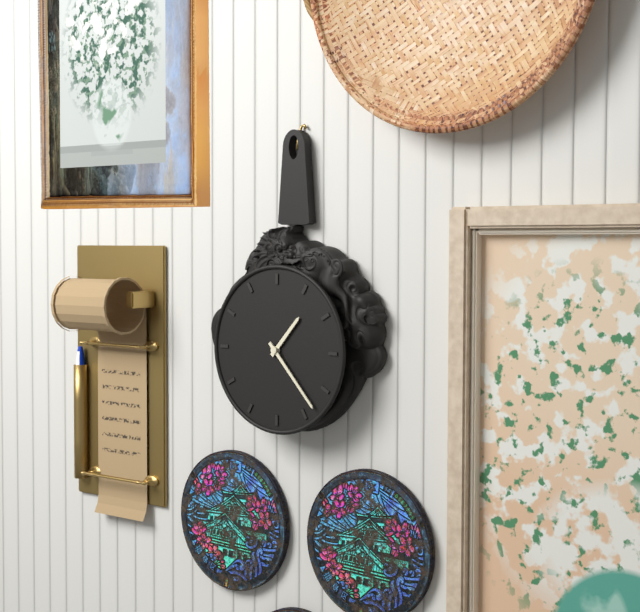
1:23
